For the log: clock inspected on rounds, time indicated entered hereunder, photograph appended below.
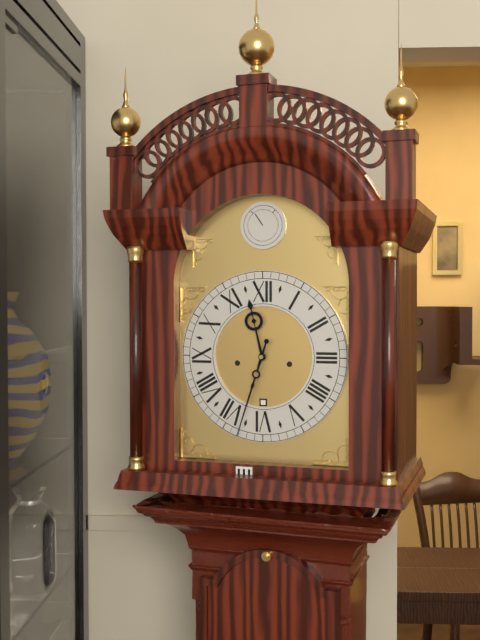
11:33
